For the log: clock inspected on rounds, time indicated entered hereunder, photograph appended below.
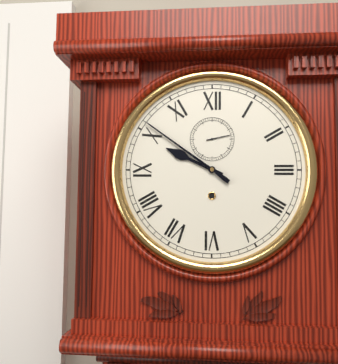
9:51
